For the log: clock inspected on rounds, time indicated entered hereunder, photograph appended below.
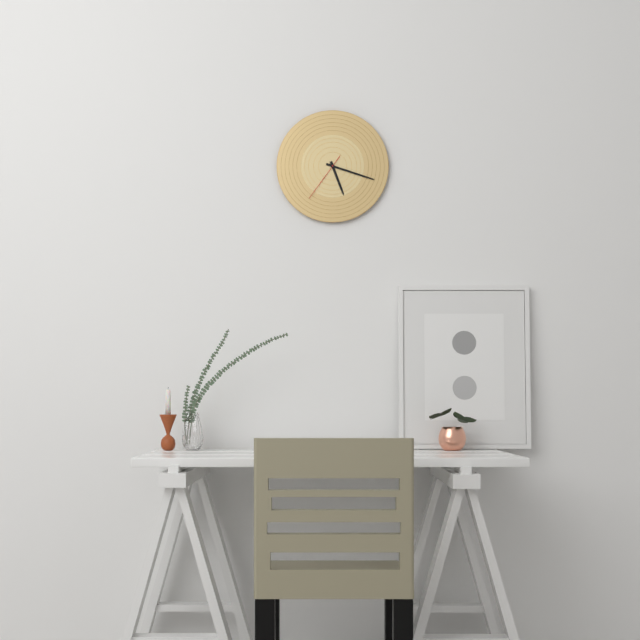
5:18
